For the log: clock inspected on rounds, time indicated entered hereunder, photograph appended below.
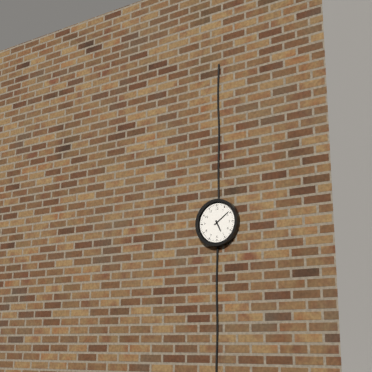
5:09
